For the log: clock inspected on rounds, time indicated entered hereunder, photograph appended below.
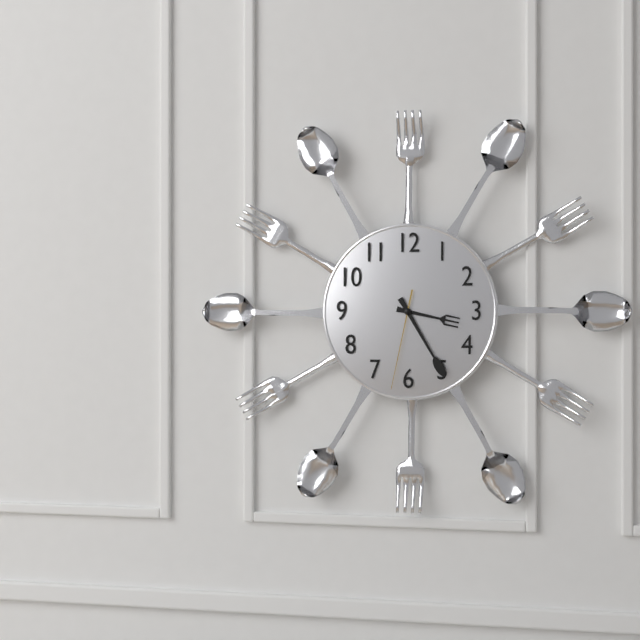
3:25:32
